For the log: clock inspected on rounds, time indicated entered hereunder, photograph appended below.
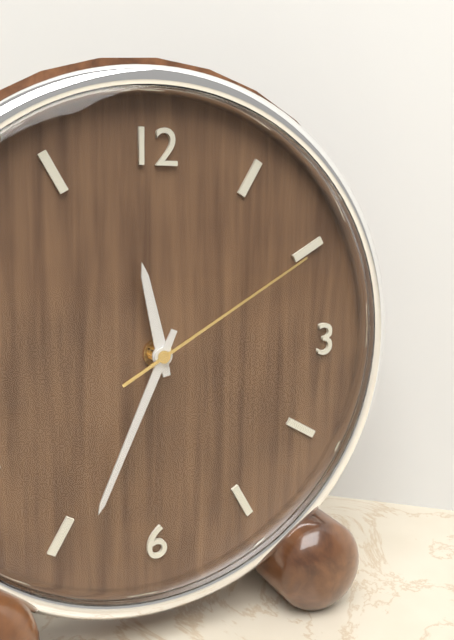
11:34:10
